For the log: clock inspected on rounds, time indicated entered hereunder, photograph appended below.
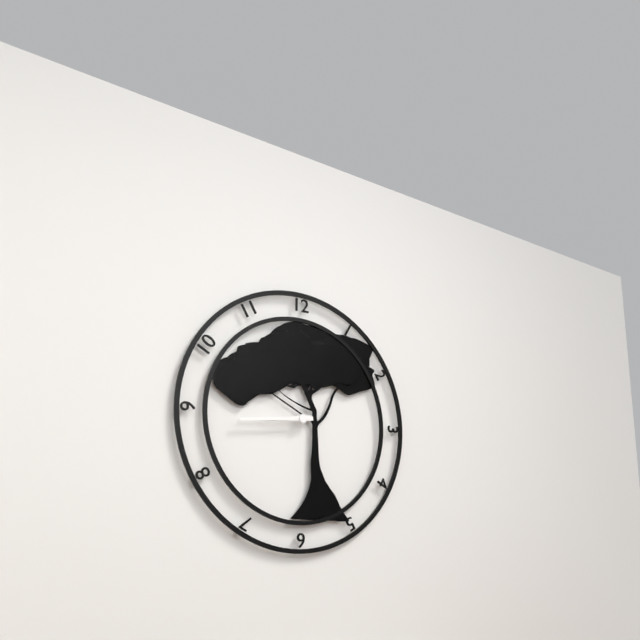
8:44
